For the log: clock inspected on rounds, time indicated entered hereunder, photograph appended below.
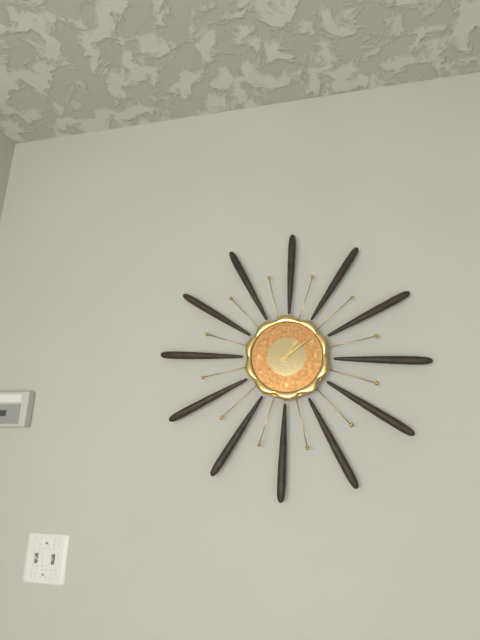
1:09
